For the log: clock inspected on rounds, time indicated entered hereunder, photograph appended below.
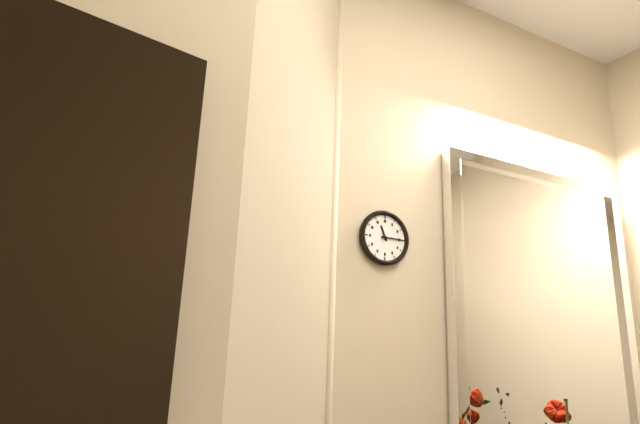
11:15
